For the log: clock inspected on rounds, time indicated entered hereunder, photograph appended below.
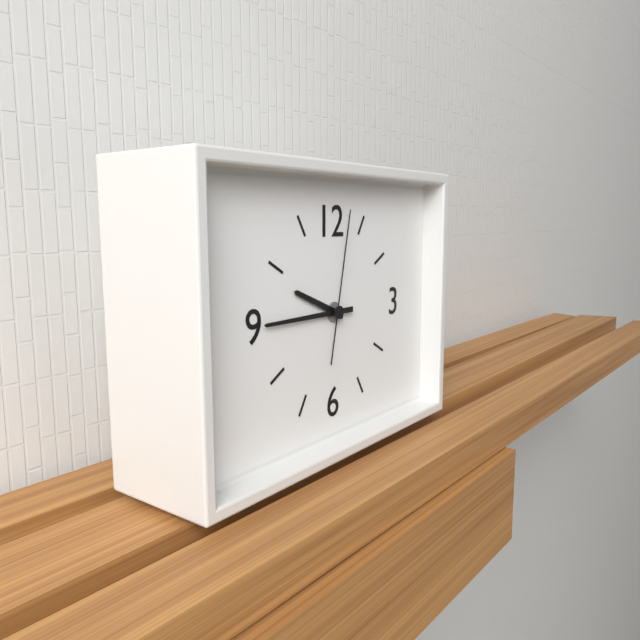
9:45:02
